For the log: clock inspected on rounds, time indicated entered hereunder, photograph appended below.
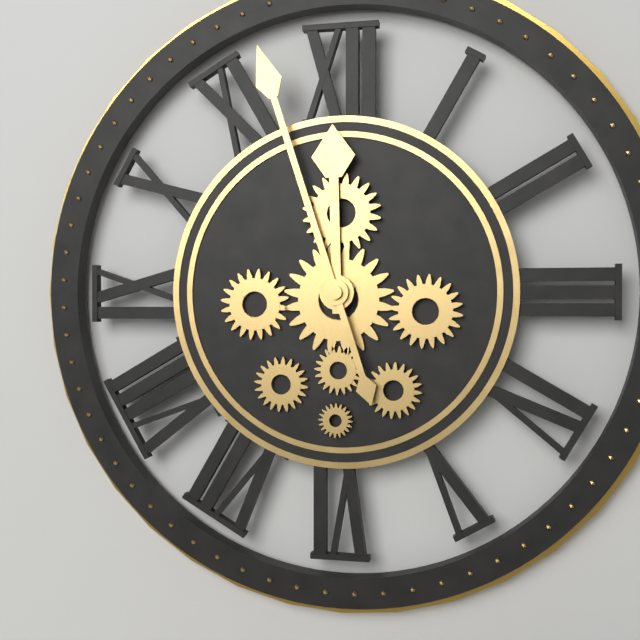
11:57
